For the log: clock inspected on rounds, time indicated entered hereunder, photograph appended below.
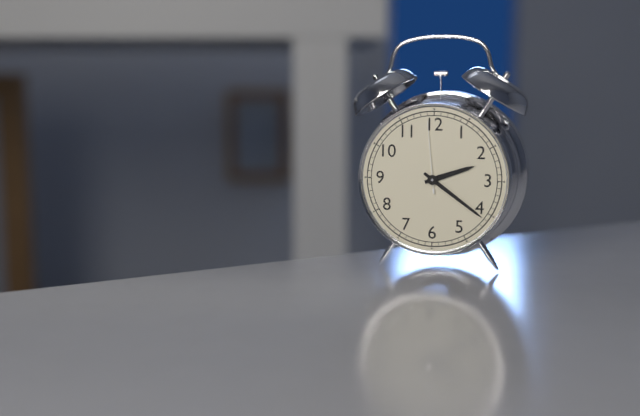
2:21:59
